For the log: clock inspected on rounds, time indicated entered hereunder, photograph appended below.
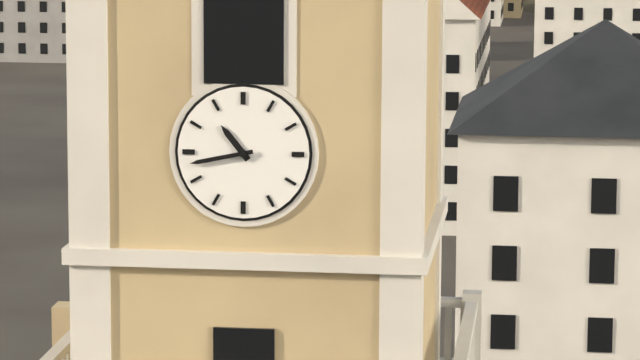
10:43
